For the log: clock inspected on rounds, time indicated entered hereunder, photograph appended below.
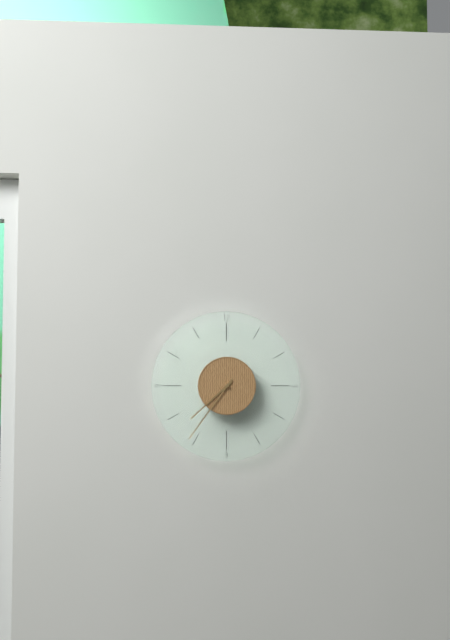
7:36
